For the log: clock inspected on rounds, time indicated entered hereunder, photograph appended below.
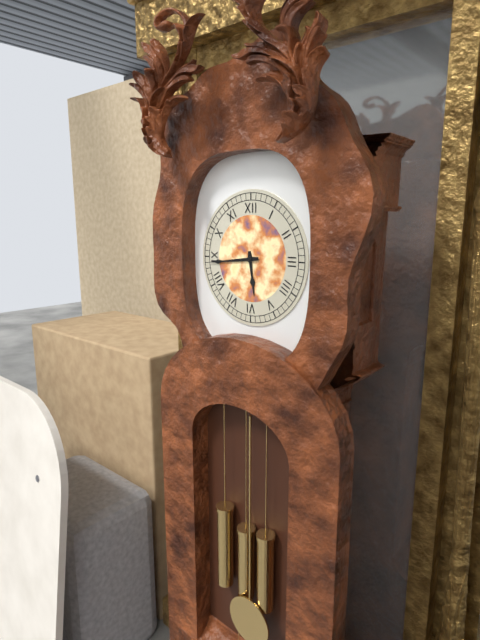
5:44
